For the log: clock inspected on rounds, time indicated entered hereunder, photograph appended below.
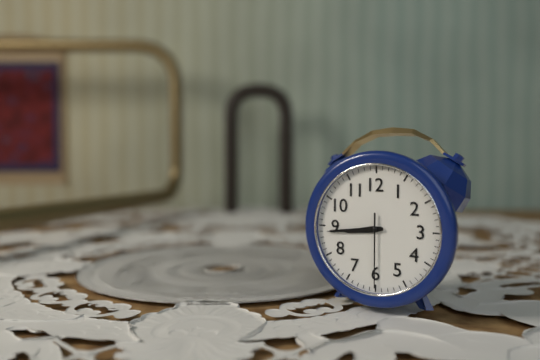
8:44:30
